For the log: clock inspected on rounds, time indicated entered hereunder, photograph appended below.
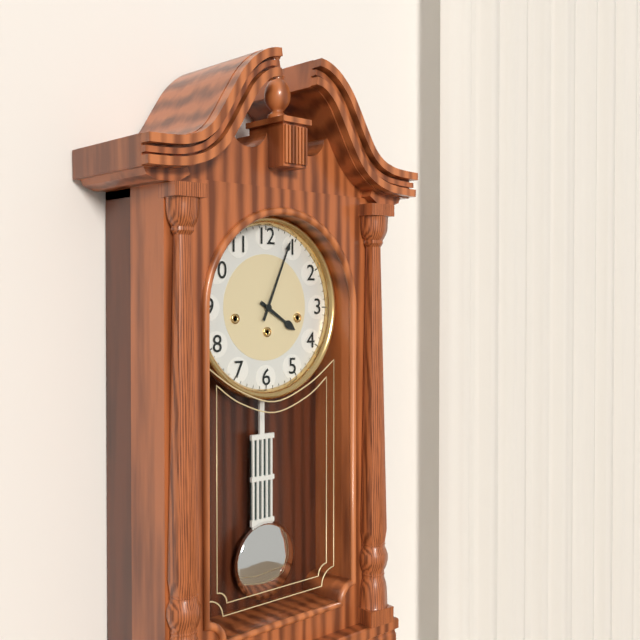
4:04
